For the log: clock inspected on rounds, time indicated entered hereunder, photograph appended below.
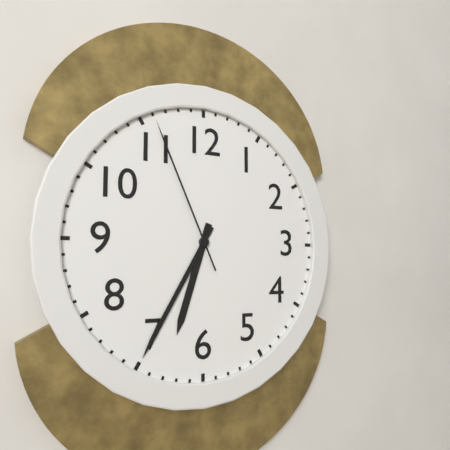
6:35:56
